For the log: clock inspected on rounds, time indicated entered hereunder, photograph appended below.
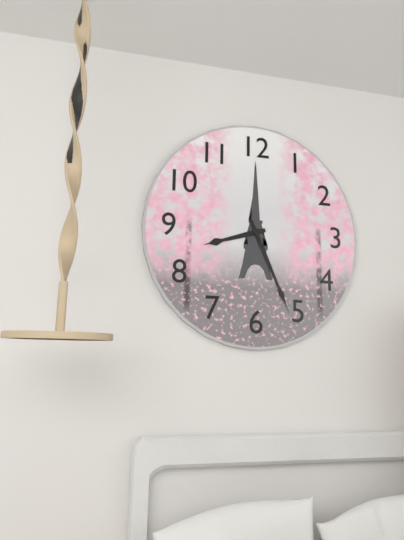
8:26
